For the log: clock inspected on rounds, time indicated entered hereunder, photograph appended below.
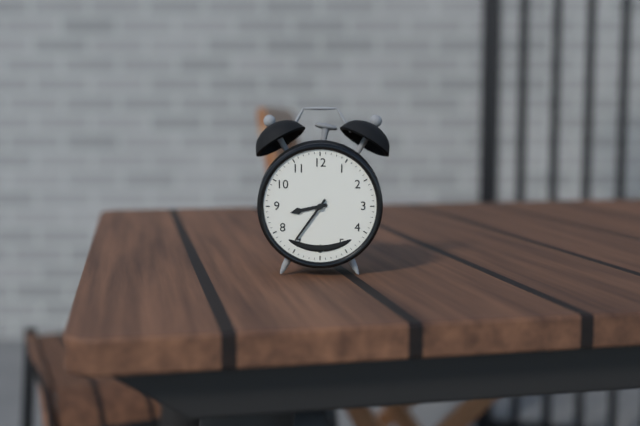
8:36
